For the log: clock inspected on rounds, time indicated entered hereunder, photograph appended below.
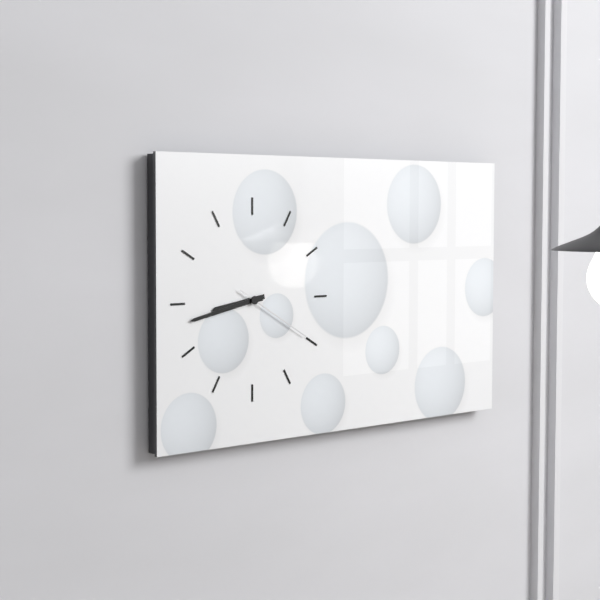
8:43:20
